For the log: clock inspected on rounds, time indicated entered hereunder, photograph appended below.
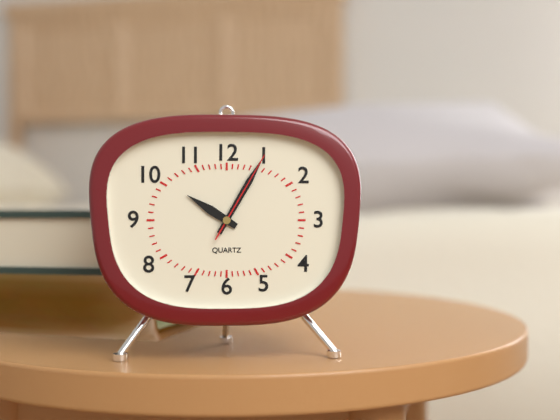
10:05:05
